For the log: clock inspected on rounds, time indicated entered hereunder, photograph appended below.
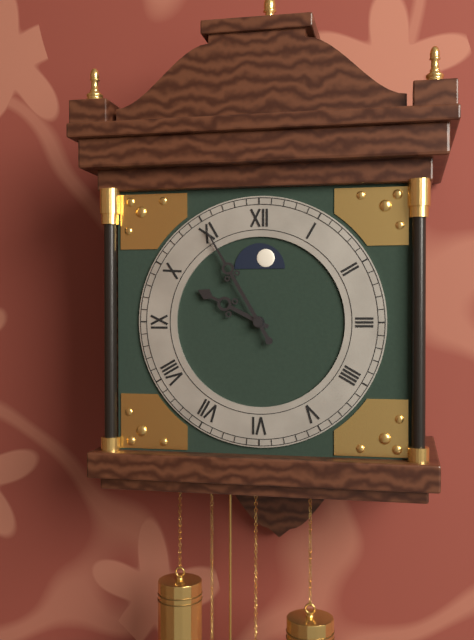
9:55
